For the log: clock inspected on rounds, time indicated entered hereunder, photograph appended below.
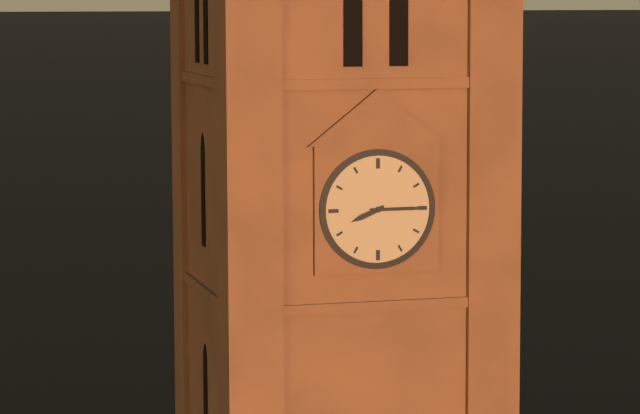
8:15
